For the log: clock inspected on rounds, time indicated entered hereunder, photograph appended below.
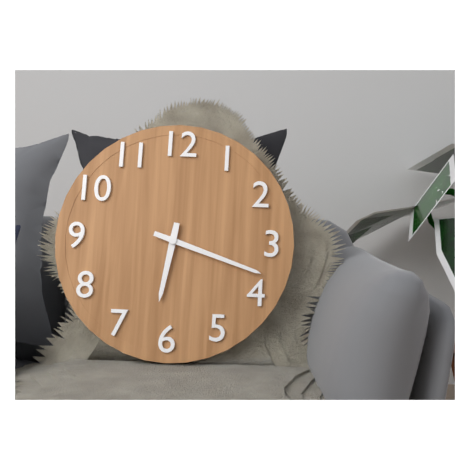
6:18
